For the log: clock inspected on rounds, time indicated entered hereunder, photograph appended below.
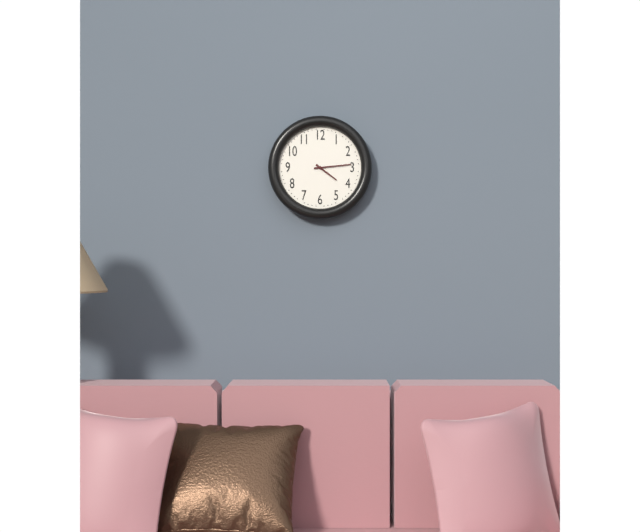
4:14
